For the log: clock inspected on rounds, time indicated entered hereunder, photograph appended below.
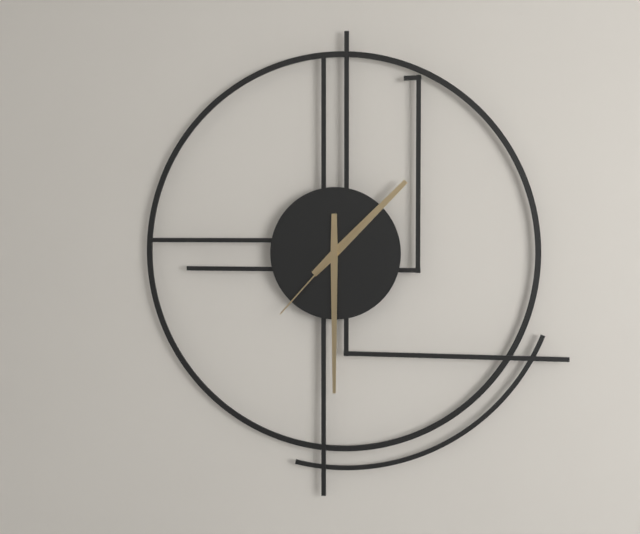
1:30:37
